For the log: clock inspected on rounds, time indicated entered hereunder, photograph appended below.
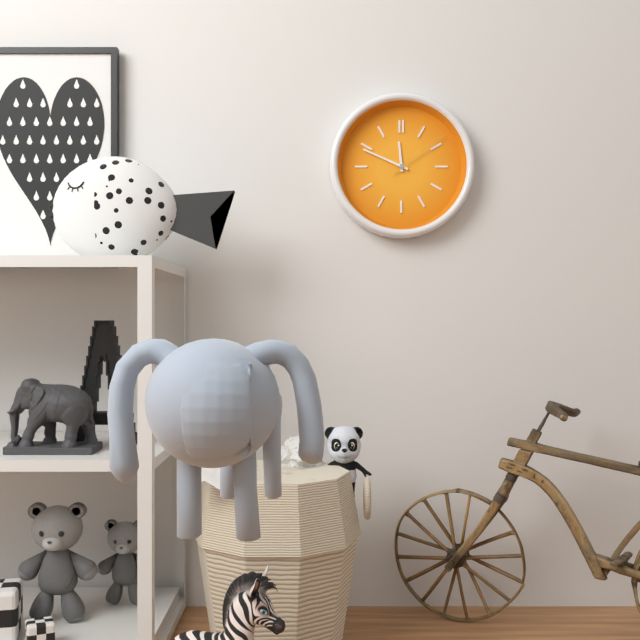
11:49:09
